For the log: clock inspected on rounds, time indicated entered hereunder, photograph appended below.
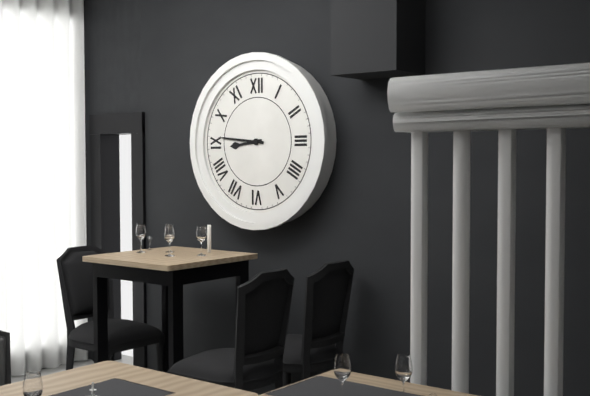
8:46
